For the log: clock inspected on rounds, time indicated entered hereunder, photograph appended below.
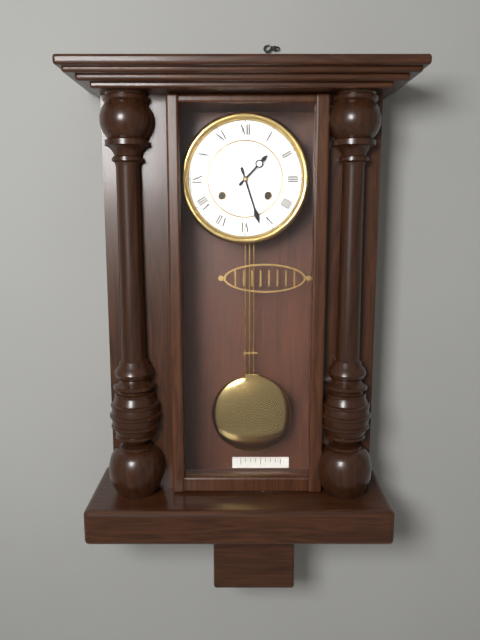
1:27
